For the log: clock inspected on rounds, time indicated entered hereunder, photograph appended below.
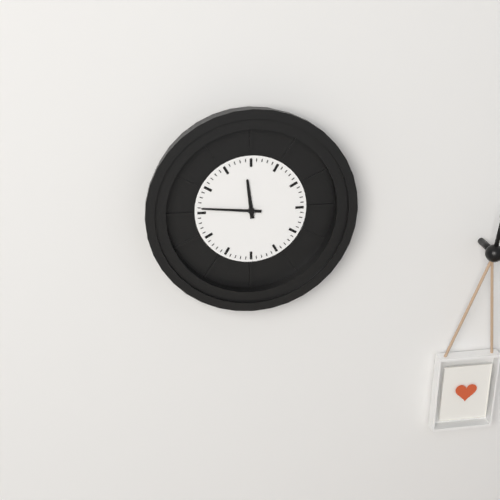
11:46
